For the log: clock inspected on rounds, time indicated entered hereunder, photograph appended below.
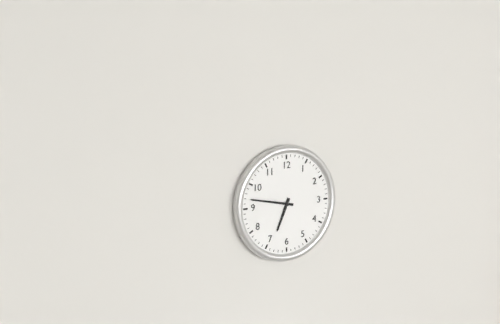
6:47
